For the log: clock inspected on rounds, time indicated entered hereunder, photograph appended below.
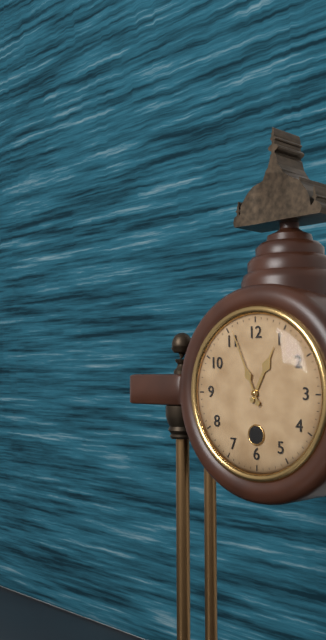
12:56
